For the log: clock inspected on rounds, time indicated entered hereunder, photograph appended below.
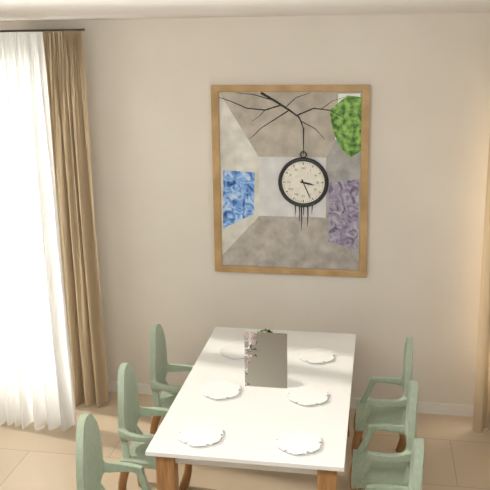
3:26
